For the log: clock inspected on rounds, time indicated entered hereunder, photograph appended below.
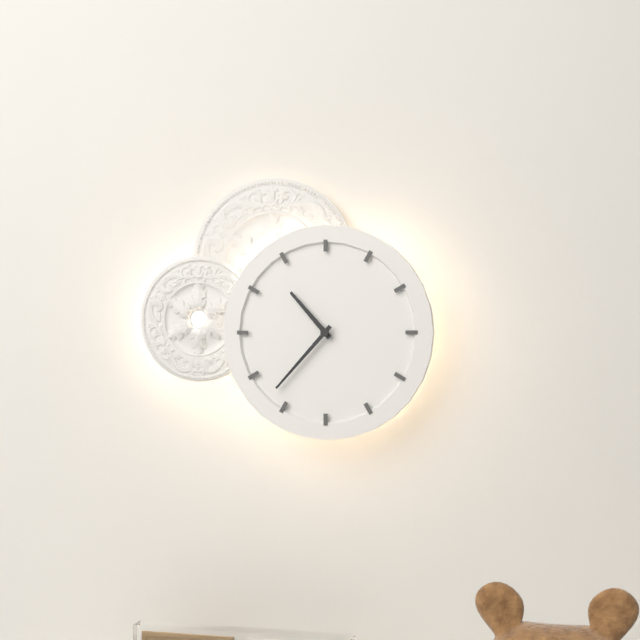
10:37
